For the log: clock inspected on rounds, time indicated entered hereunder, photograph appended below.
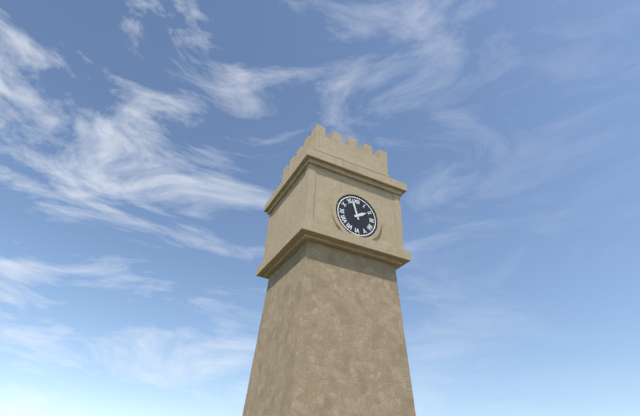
1:57
